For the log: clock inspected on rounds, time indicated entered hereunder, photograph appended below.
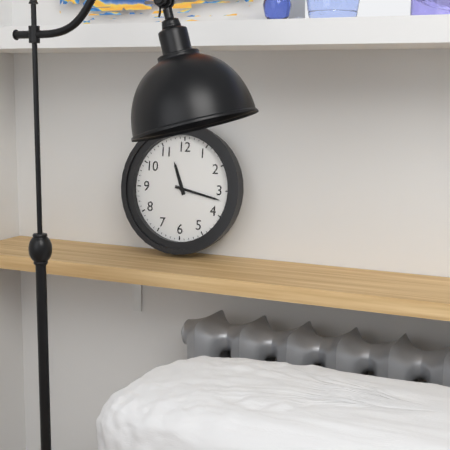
11:17
